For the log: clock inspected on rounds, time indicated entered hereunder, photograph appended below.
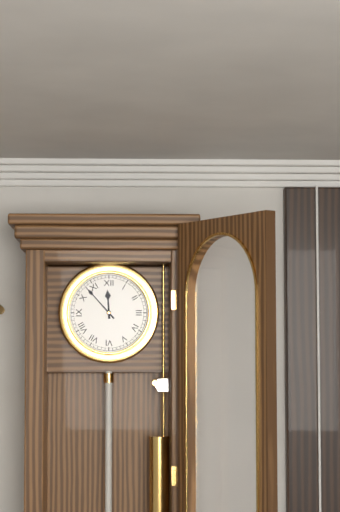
11:53
